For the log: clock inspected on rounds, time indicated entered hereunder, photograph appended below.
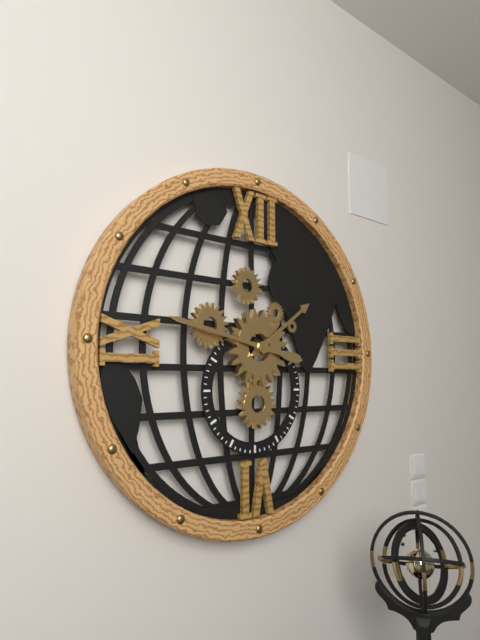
1:47
